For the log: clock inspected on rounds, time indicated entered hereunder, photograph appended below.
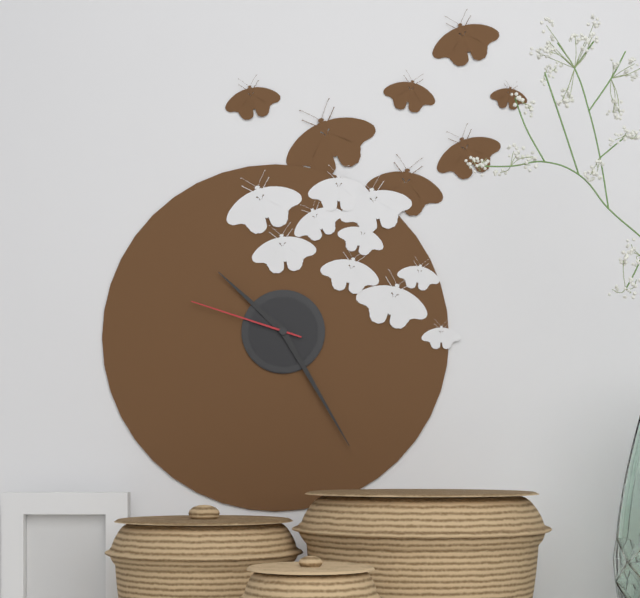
10:25:48
